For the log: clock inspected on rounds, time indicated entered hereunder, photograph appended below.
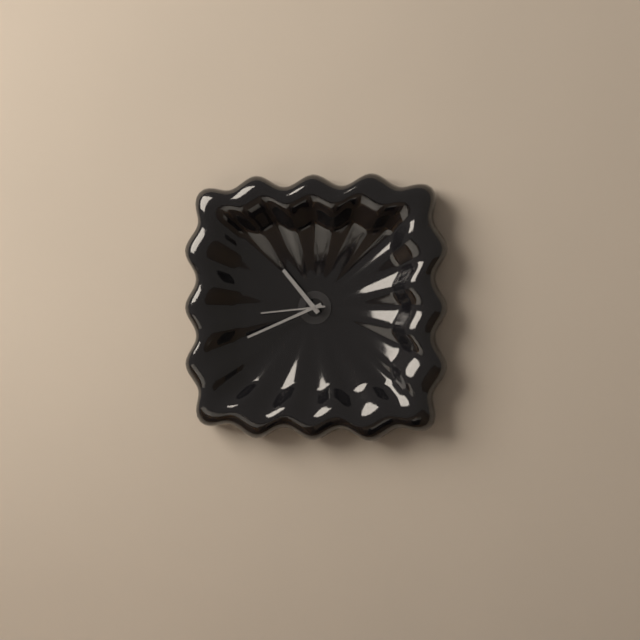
10:41:44
